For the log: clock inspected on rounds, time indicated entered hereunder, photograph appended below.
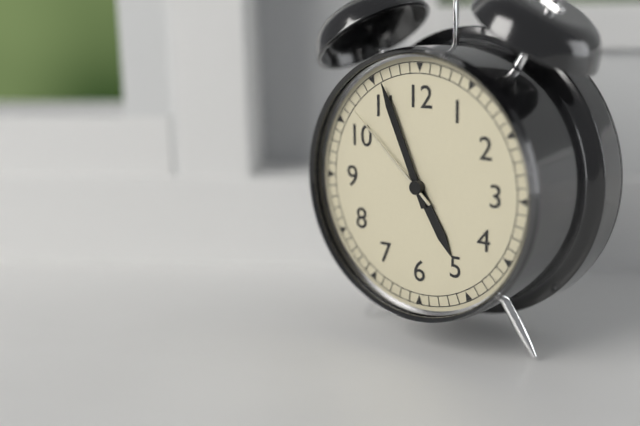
4:56:52
